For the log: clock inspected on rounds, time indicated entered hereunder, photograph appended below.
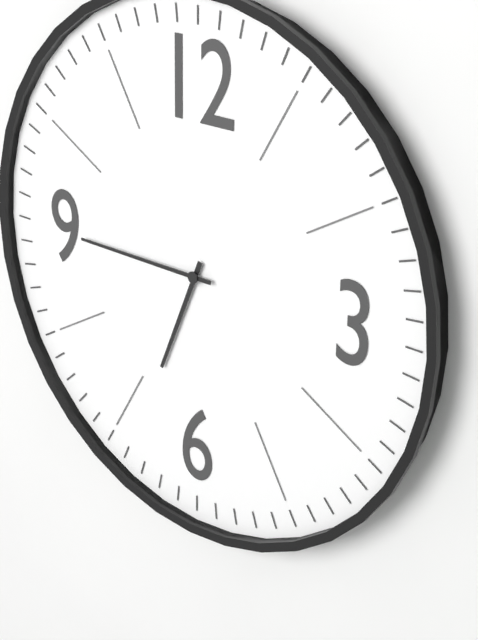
6:45
